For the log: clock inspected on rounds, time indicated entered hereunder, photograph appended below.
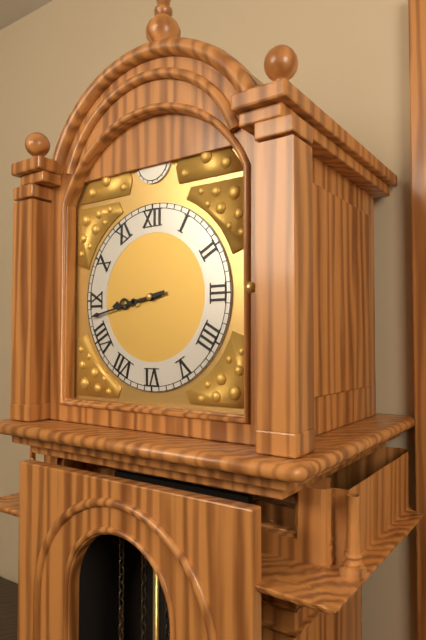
8:43
